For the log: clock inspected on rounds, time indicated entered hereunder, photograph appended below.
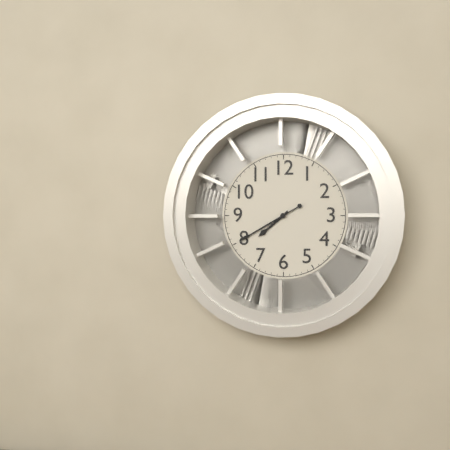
7:40
